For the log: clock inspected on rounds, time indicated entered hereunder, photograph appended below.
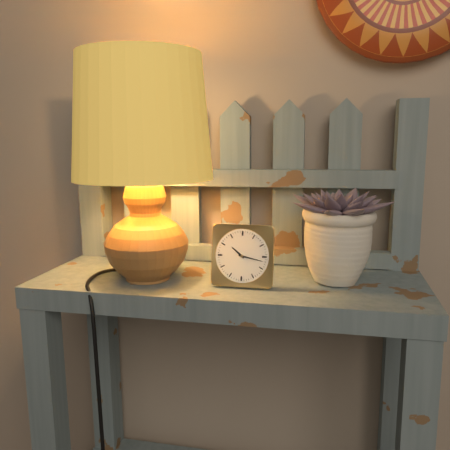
10:17
